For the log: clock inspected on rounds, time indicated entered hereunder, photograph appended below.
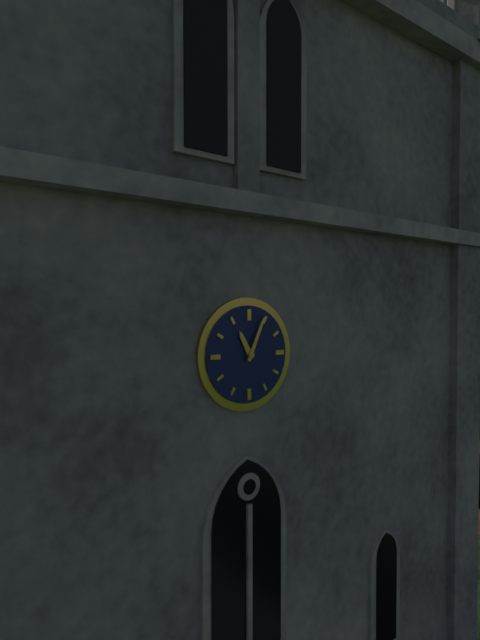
11:04
